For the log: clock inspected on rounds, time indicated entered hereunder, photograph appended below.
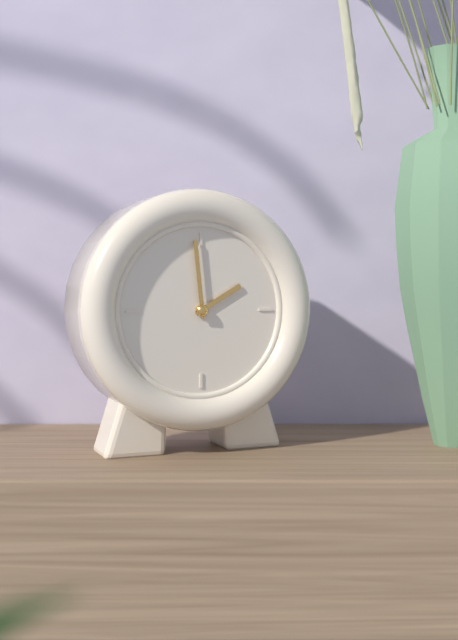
1:59
